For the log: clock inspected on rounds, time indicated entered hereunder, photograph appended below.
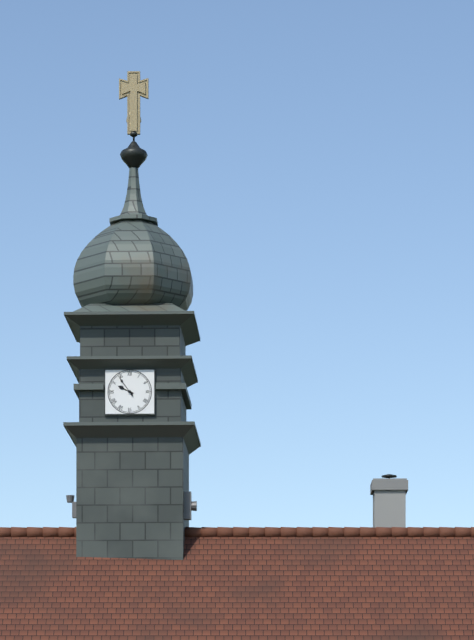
9:54
